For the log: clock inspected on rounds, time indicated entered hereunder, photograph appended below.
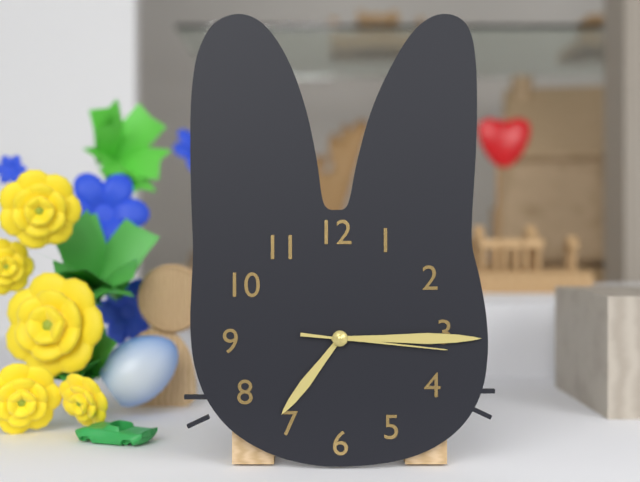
7:15:16
